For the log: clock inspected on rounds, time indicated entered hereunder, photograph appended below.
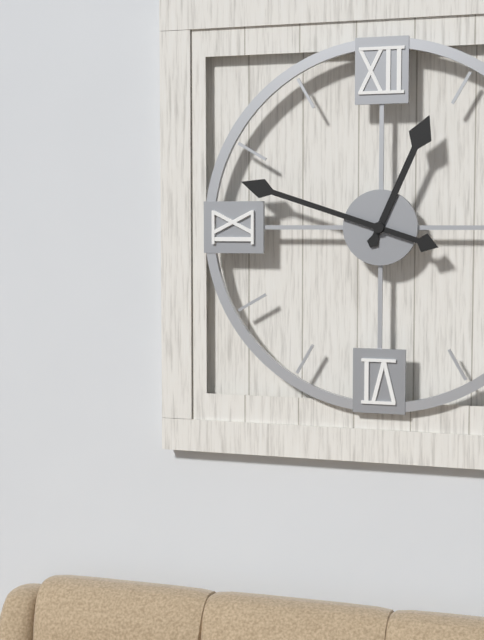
12:48
